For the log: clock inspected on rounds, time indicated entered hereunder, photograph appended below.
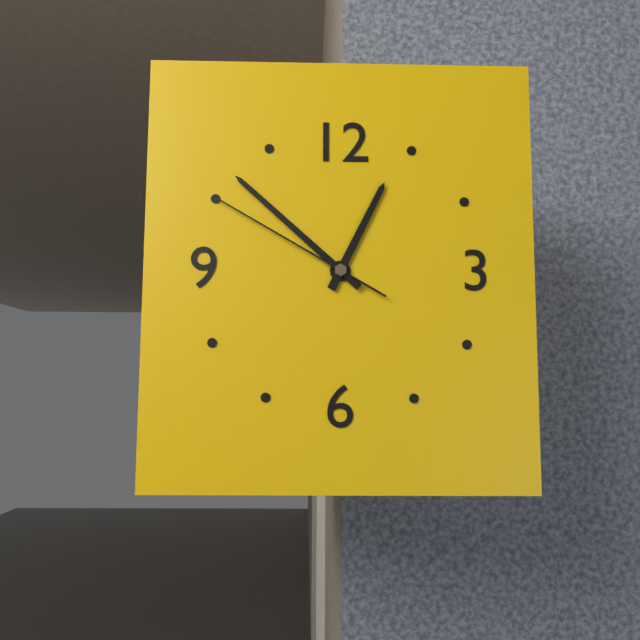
12:52:50
